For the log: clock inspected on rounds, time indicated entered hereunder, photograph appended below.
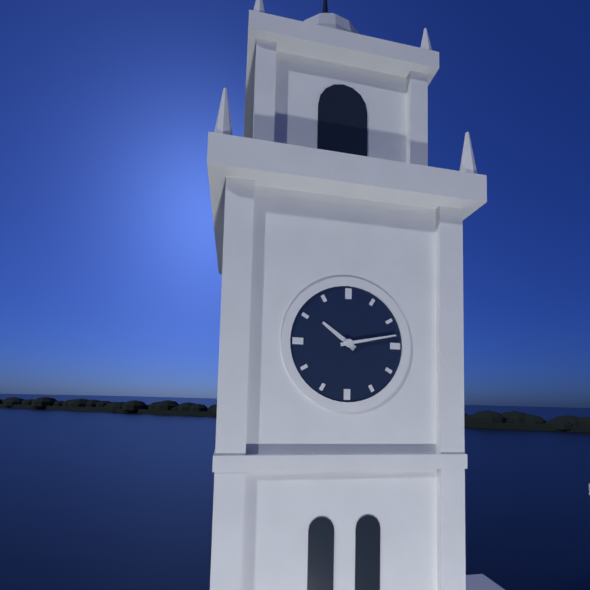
10:13
